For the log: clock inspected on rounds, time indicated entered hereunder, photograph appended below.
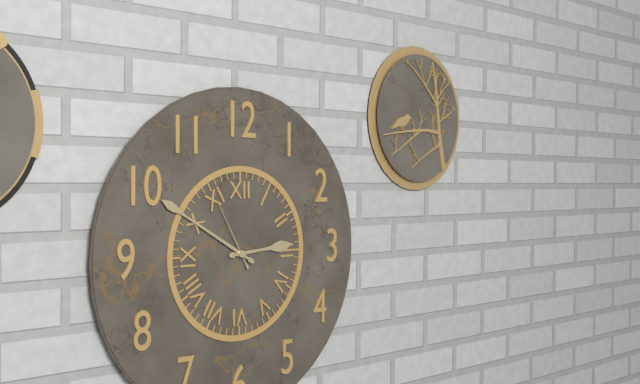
2:50:55
